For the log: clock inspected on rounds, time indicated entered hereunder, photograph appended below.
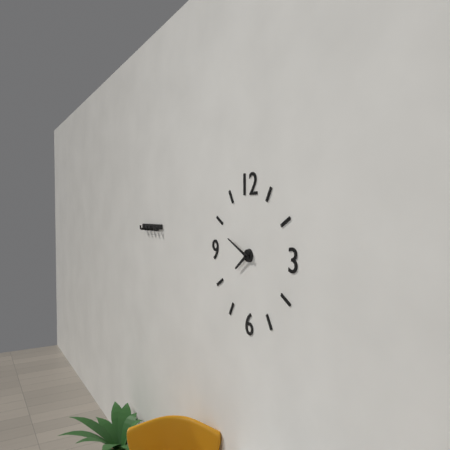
7:49
